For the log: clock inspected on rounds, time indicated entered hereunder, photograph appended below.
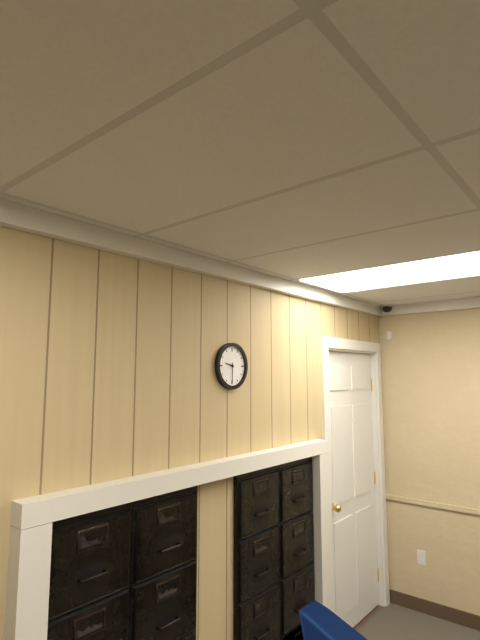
9:30
